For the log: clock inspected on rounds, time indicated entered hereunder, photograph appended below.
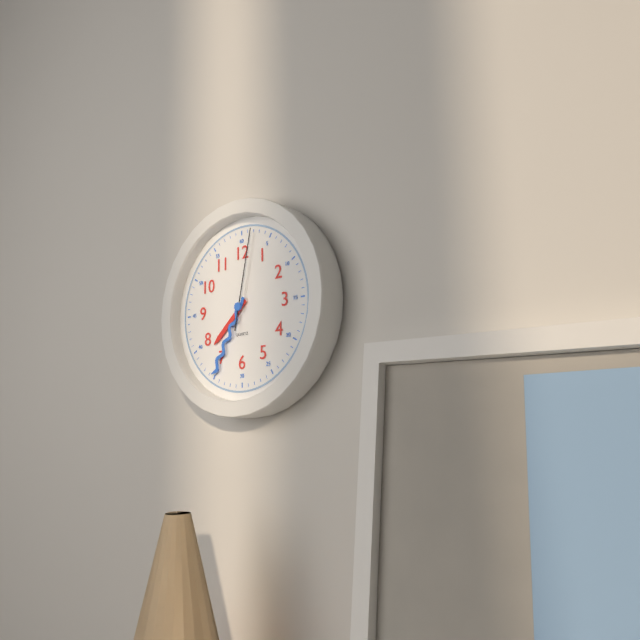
7:35:02
